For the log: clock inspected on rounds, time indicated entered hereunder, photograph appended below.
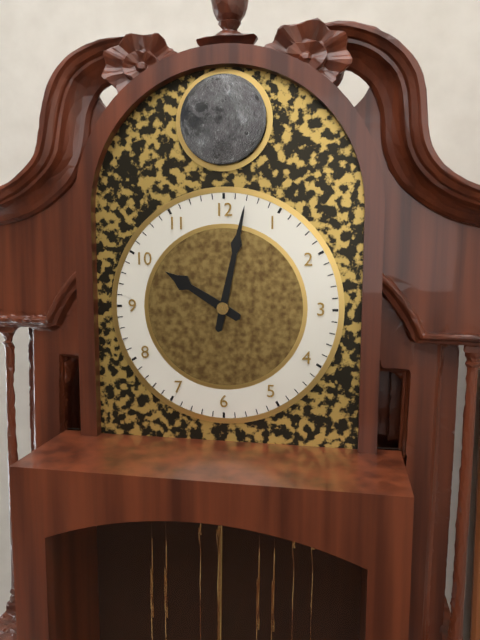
10:02
